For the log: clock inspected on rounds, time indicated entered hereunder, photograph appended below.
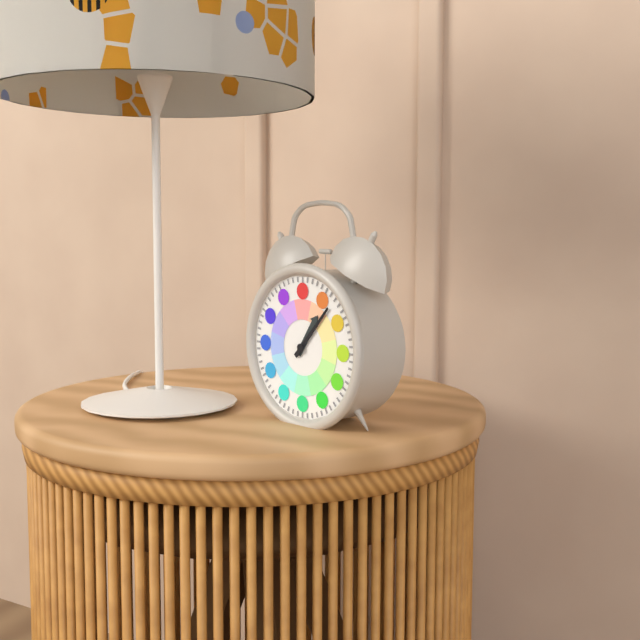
1:07
